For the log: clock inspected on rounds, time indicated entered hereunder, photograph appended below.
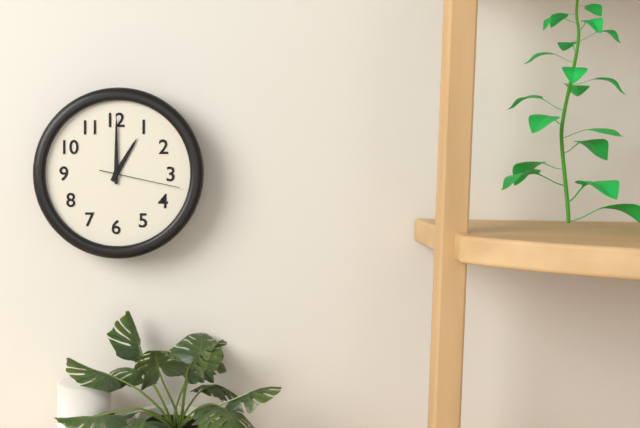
1:00:17
